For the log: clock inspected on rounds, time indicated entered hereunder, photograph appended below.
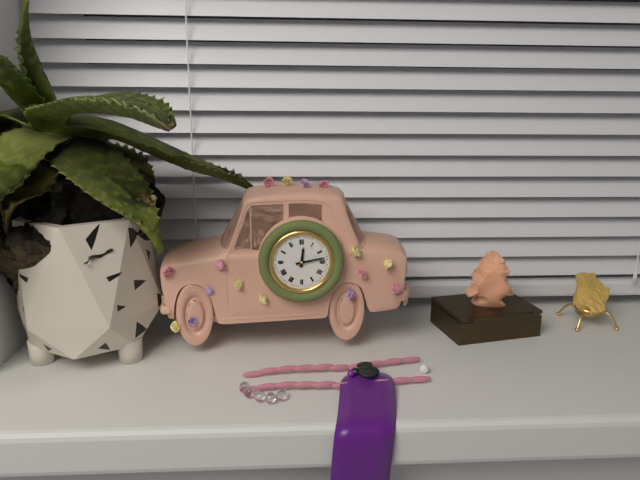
12:13
